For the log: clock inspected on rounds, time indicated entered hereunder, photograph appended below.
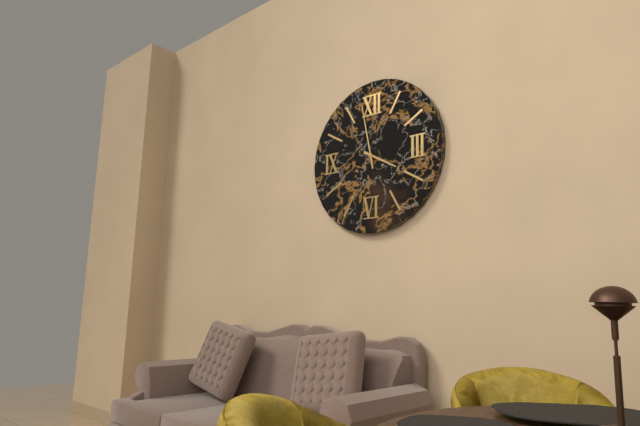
3:58
